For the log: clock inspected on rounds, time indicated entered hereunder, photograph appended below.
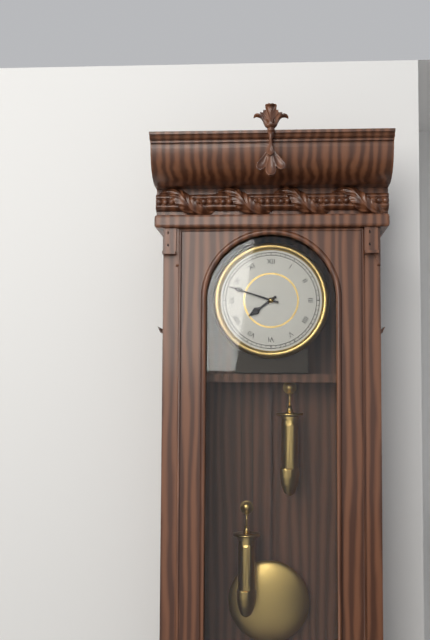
7:48
